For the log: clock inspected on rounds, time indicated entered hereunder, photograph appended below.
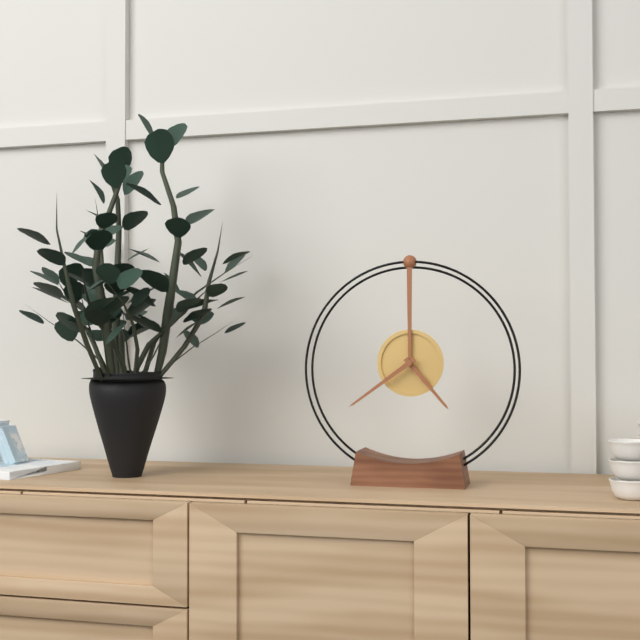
4:39
